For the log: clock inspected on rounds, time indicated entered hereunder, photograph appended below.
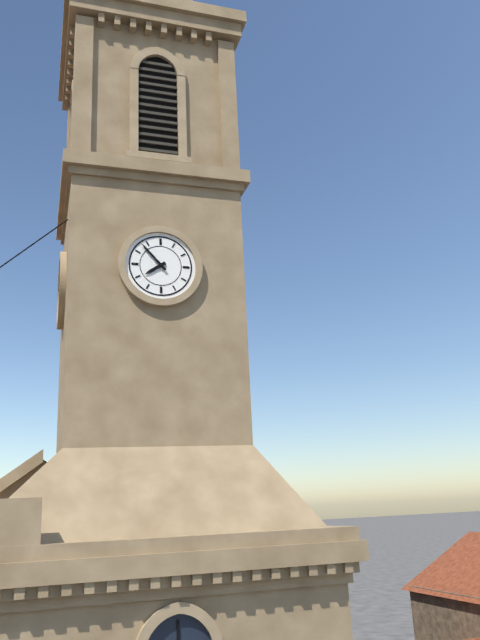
7:53
